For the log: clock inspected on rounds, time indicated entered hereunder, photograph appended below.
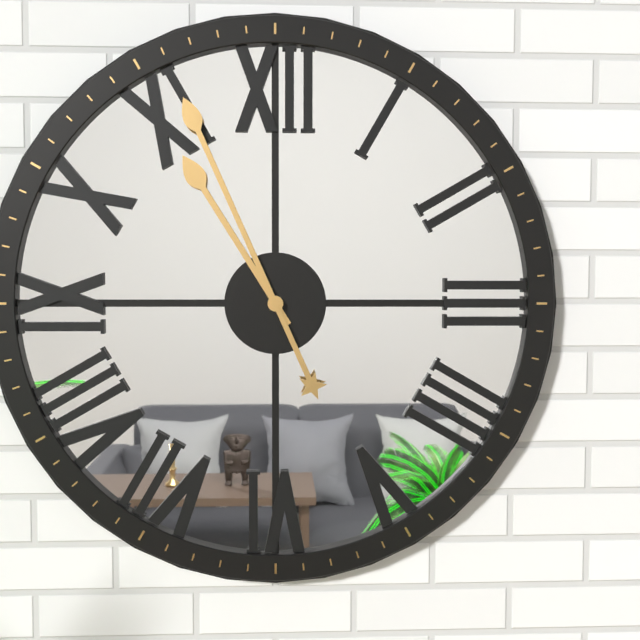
10:56
